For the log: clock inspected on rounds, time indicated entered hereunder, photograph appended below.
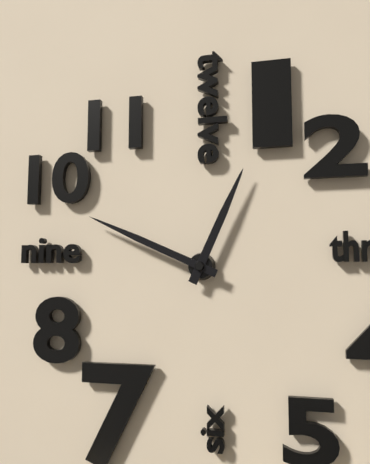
12:49
